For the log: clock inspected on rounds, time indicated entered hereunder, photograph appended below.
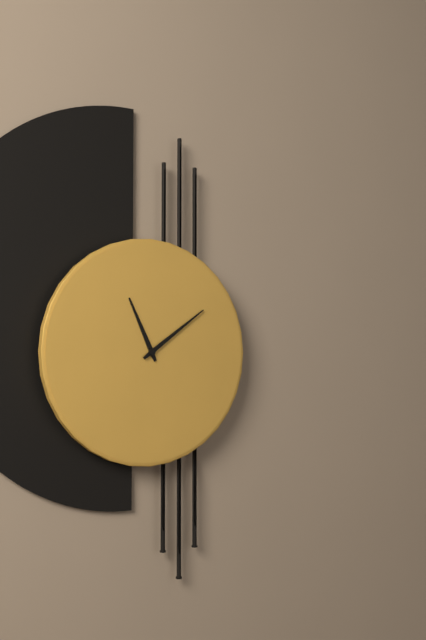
11:09
